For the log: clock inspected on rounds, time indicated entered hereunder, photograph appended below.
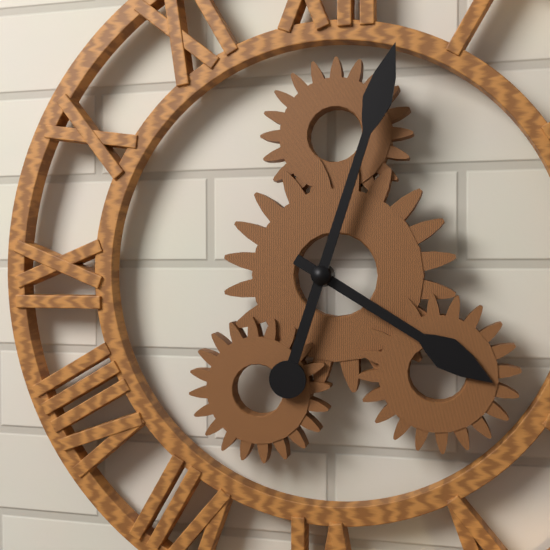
4:03
